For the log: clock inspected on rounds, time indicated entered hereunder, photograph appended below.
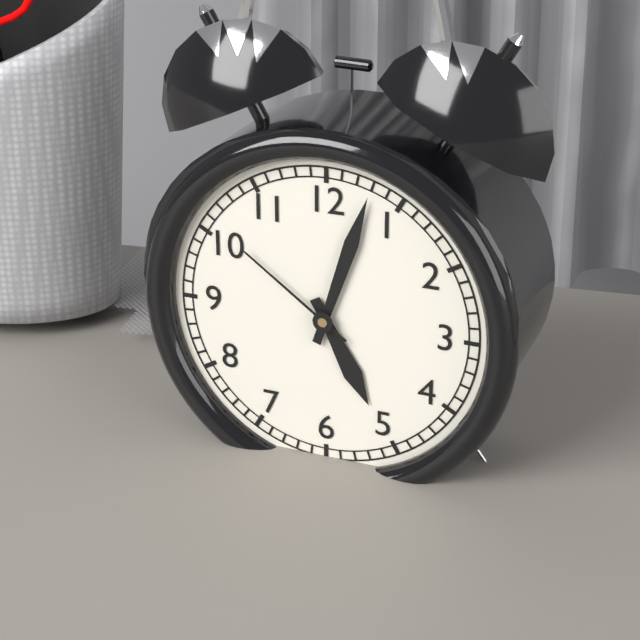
5:03:51
